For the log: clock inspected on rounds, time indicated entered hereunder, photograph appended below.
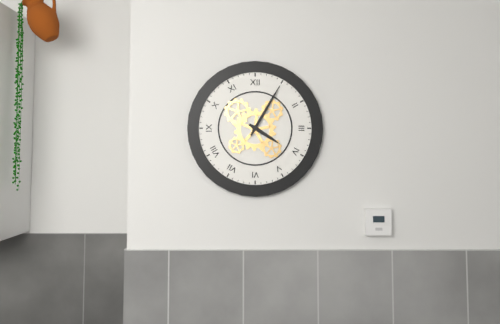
4:05
